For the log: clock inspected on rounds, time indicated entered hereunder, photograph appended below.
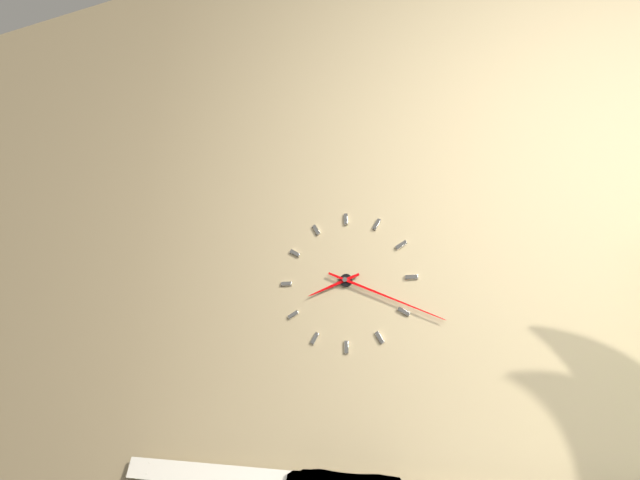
8:19
